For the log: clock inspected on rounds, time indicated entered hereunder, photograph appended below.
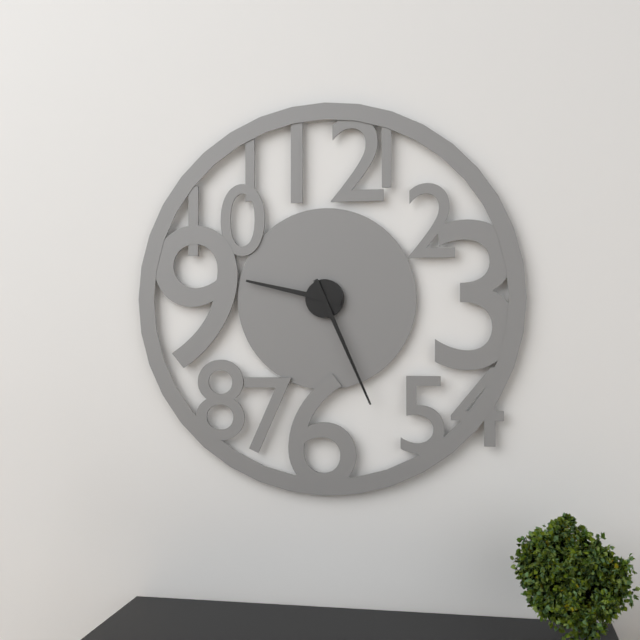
9:26
